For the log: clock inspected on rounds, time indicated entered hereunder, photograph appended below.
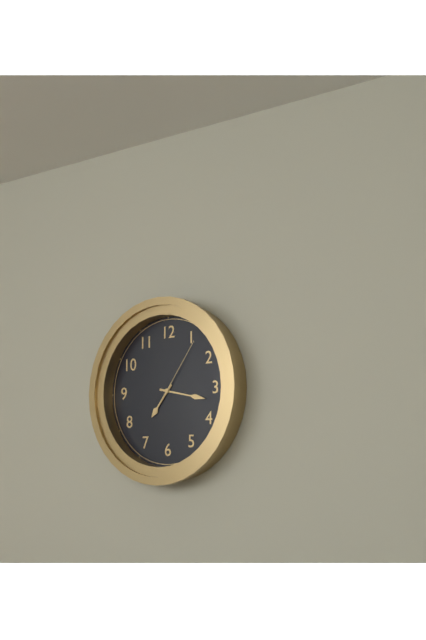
7:17:06
